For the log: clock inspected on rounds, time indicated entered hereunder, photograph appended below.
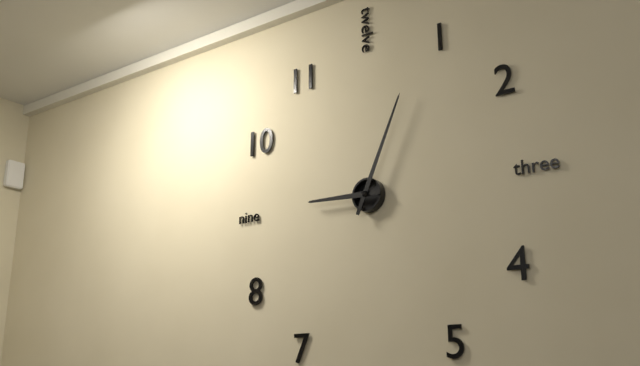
9:04
